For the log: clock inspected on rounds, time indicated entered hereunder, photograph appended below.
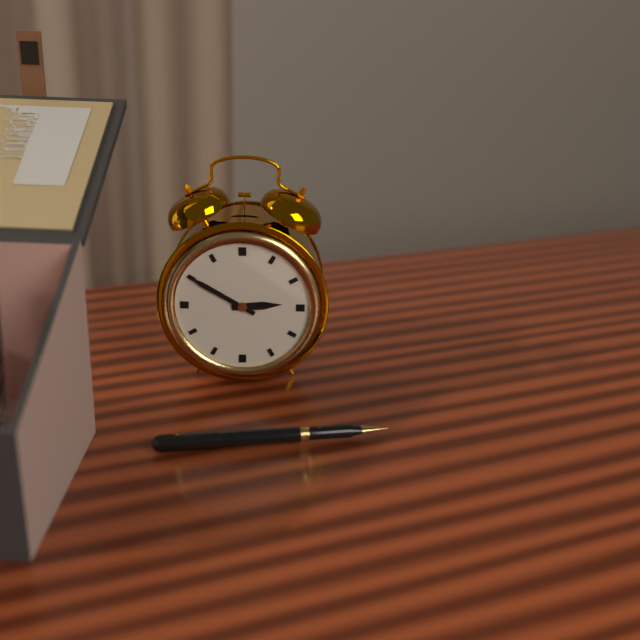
2:50
